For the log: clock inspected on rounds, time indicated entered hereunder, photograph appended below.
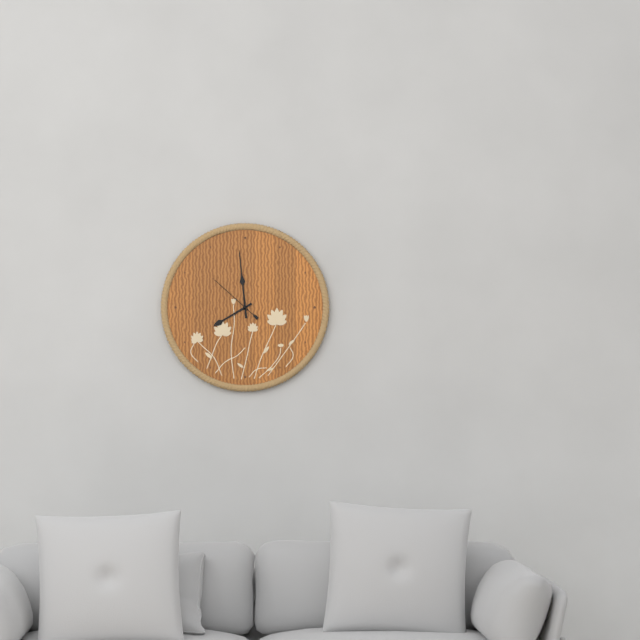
7:59:52
